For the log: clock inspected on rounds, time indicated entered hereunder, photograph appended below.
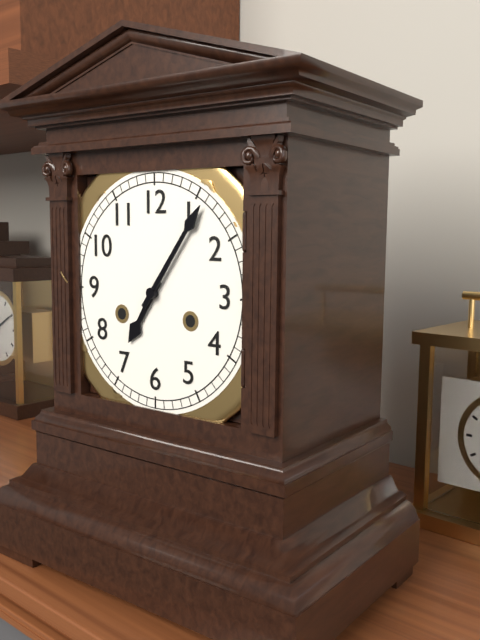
7:06
